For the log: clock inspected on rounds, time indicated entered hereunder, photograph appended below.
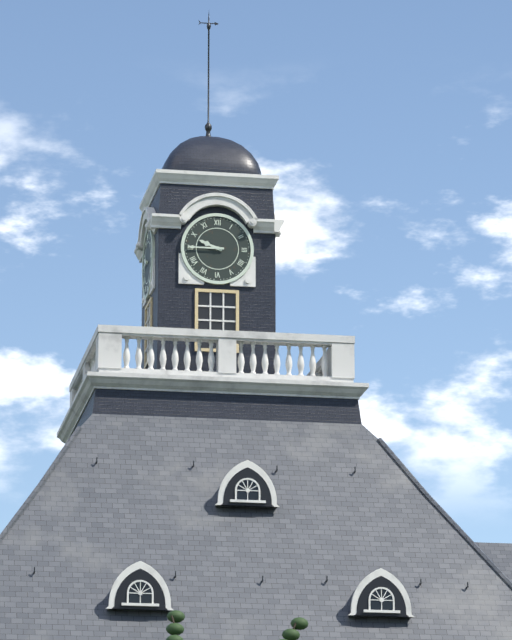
9:45
